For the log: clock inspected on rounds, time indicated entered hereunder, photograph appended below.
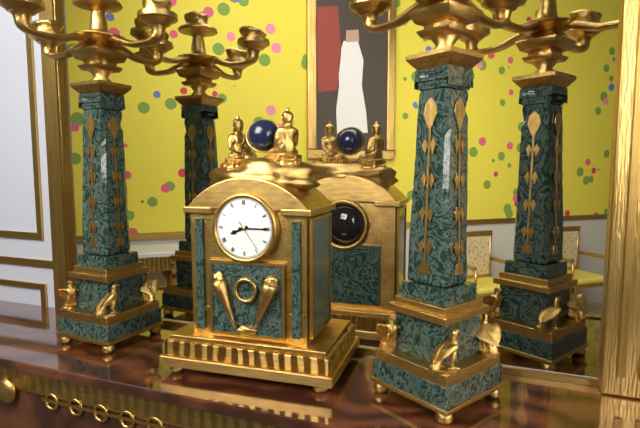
8:15
